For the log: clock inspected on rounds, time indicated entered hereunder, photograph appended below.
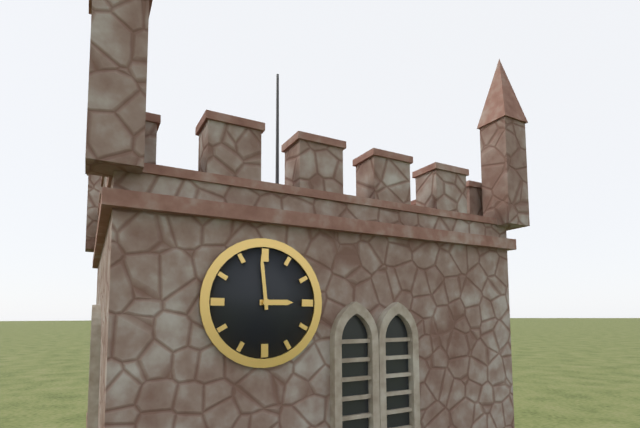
2:59
